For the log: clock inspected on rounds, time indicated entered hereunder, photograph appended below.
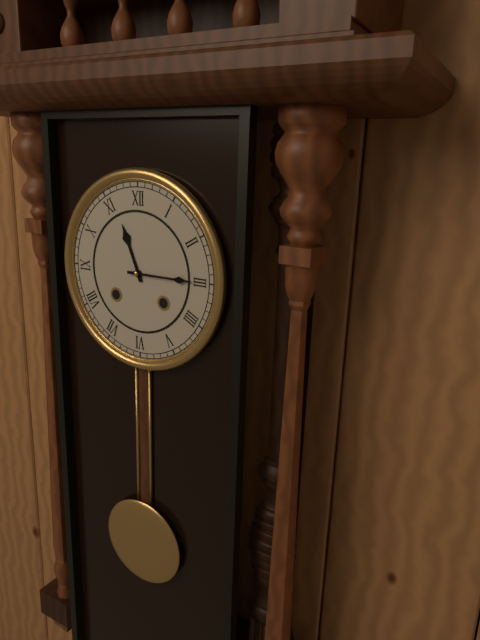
11:15
